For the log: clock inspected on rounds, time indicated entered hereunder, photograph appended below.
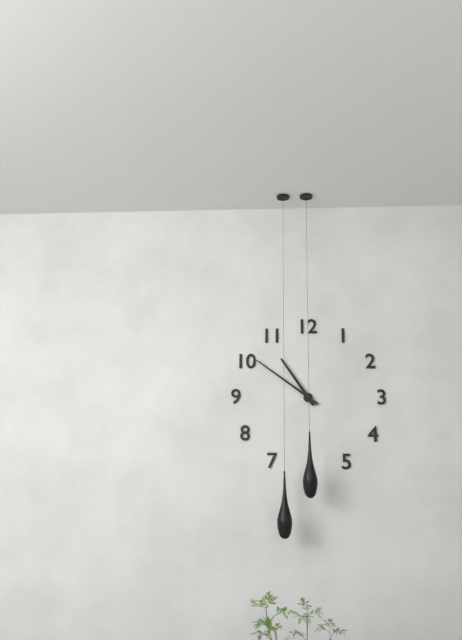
10:51
